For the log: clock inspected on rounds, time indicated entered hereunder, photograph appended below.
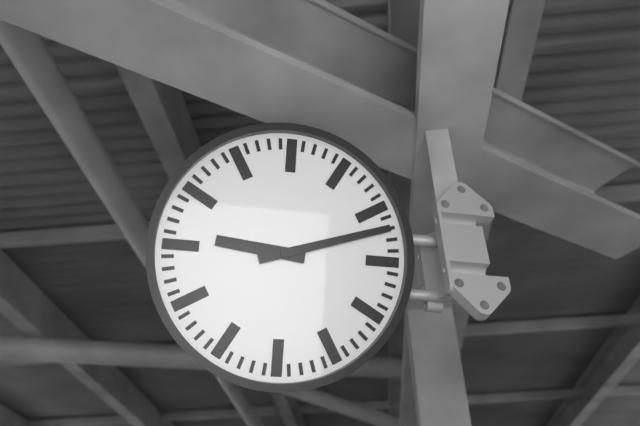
9:12
